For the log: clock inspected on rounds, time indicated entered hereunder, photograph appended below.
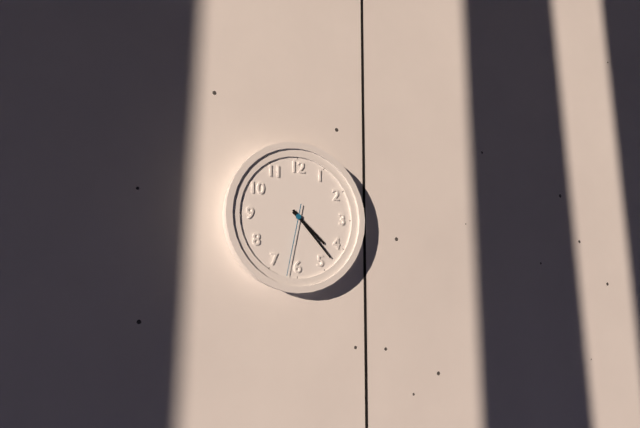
4:23:32
